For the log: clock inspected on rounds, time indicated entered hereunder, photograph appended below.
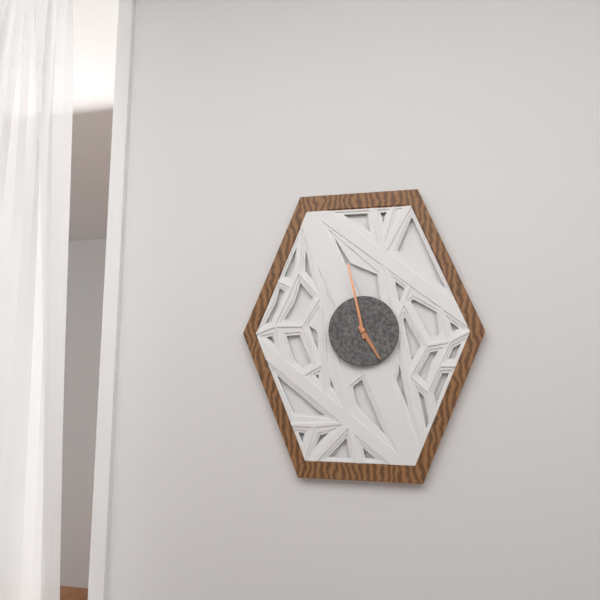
4:58
